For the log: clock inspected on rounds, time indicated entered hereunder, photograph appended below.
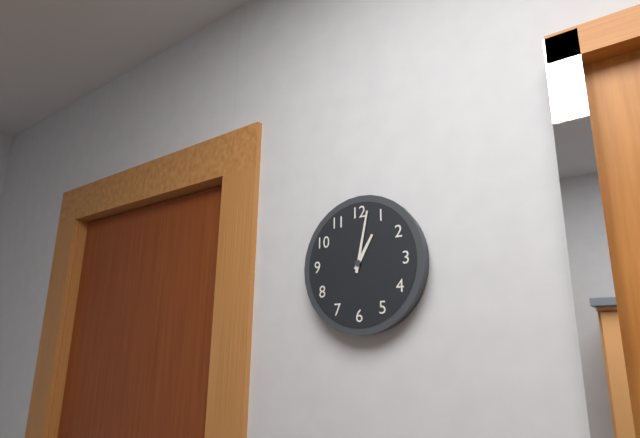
1:02
